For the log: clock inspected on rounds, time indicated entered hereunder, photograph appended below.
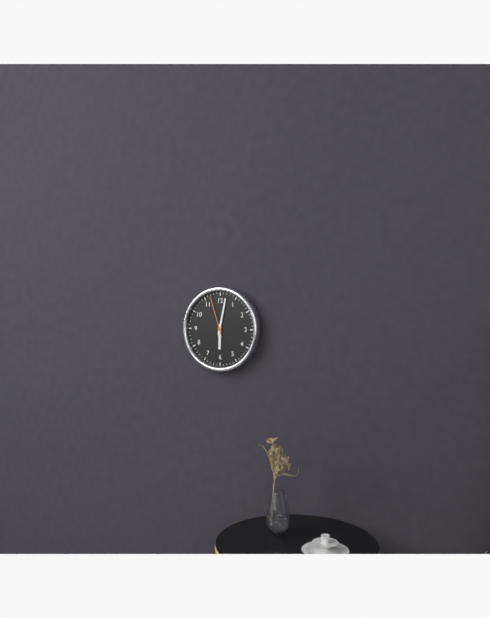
6:02
